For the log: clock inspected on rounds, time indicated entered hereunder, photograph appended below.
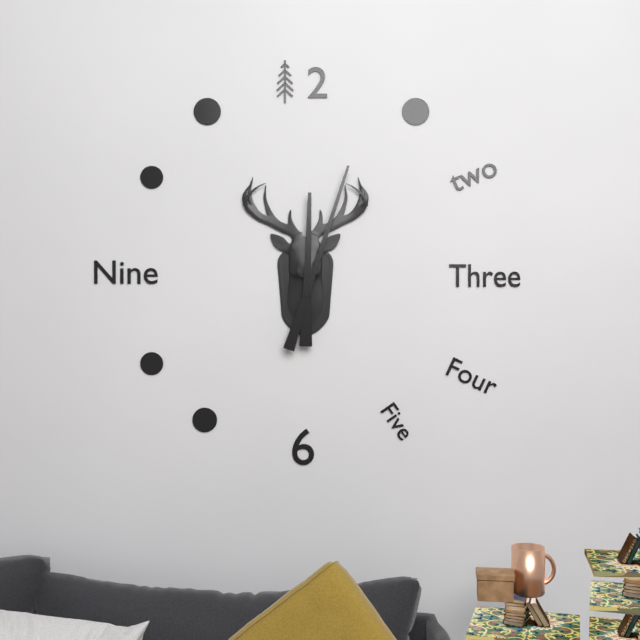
12:03
